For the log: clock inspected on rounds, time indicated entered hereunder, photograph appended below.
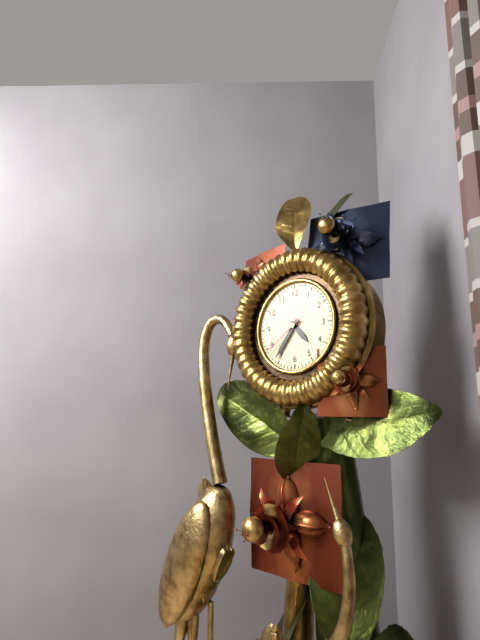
4:36
